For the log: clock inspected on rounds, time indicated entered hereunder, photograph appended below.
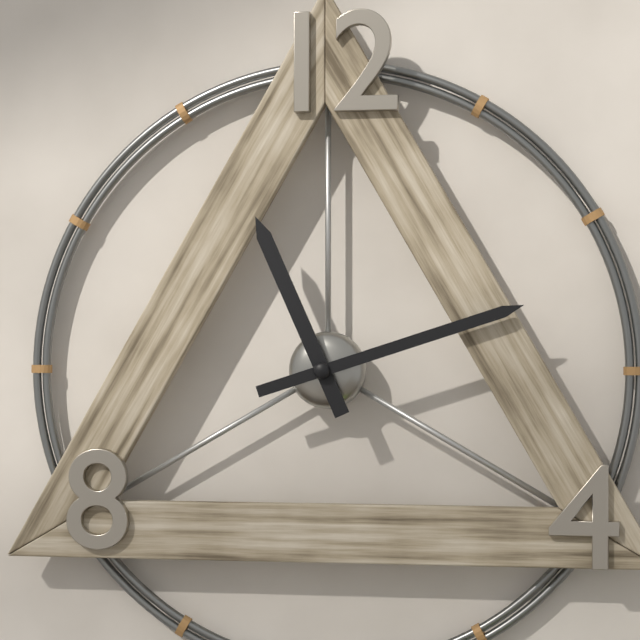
11:12
